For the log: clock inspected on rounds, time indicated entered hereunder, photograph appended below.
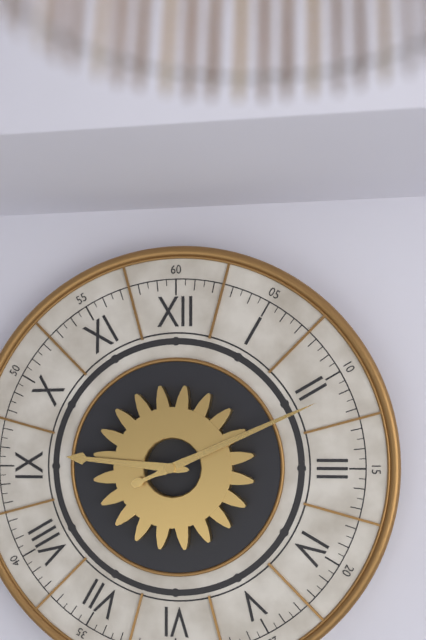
9:11
